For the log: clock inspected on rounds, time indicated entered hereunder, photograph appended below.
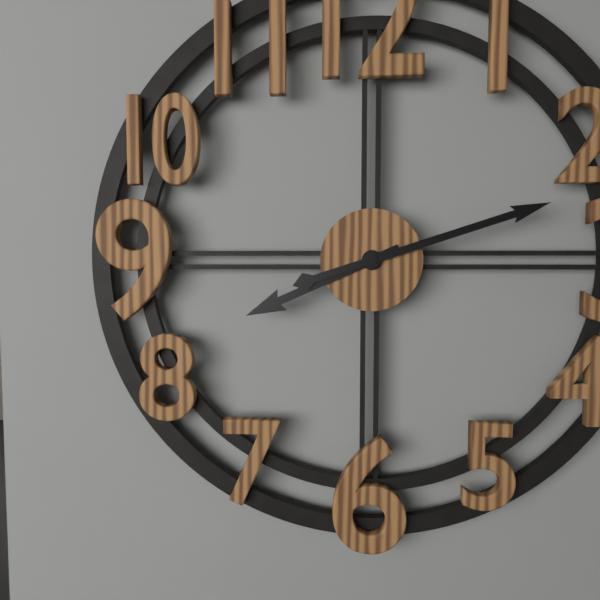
8:12
